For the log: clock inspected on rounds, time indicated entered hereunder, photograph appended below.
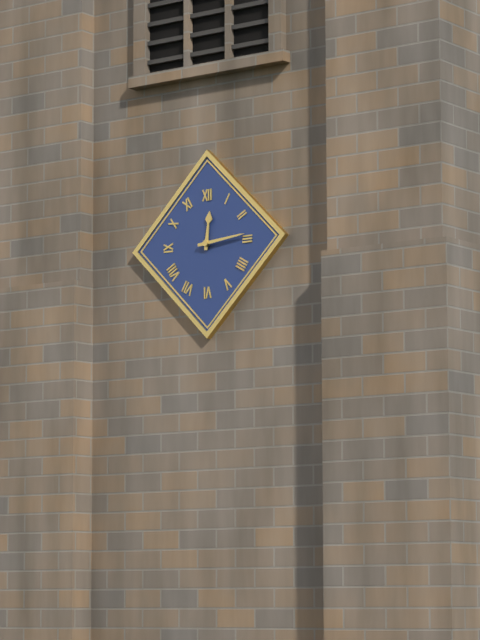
12:14
